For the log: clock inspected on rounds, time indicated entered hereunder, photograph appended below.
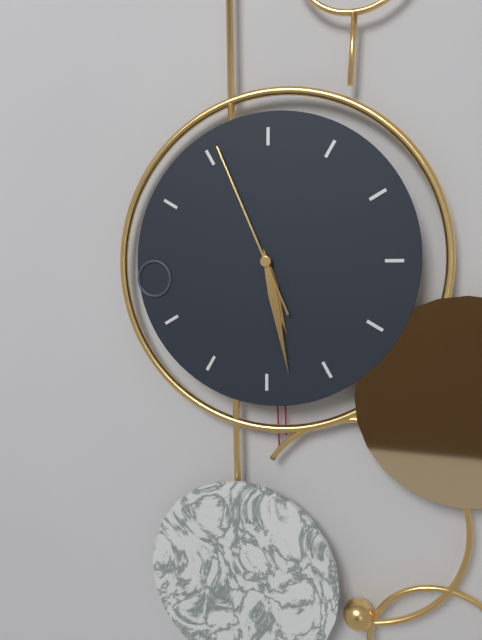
5:28:56
